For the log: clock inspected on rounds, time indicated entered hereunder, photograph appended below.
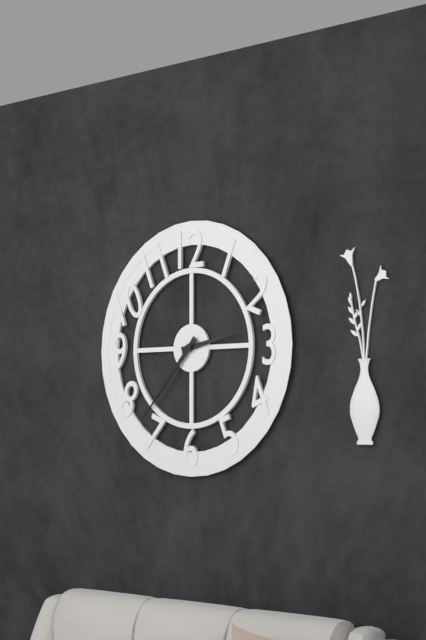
2:37
